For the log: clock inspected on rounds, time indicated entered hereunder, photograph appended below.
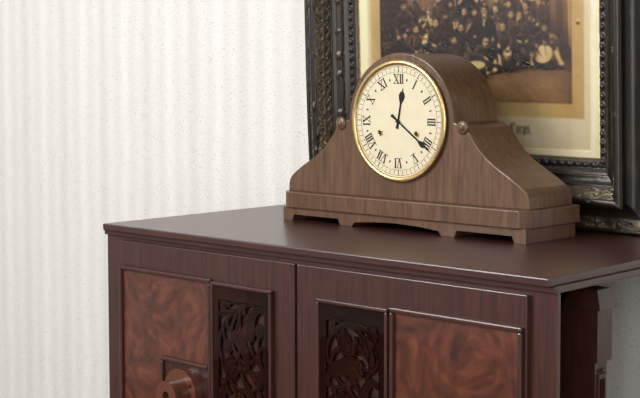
12:21
